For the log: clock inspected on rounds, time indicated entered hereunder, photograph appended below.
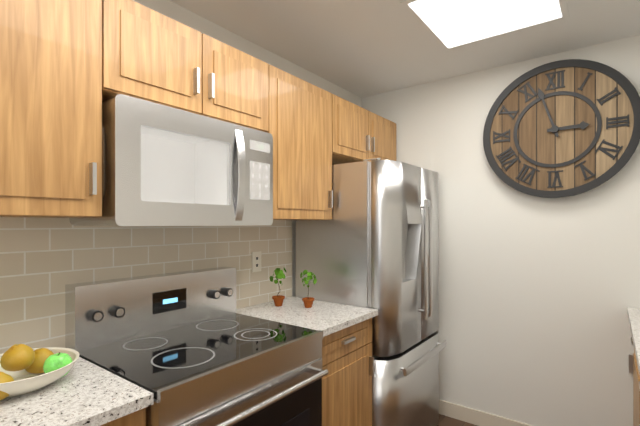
2:57
